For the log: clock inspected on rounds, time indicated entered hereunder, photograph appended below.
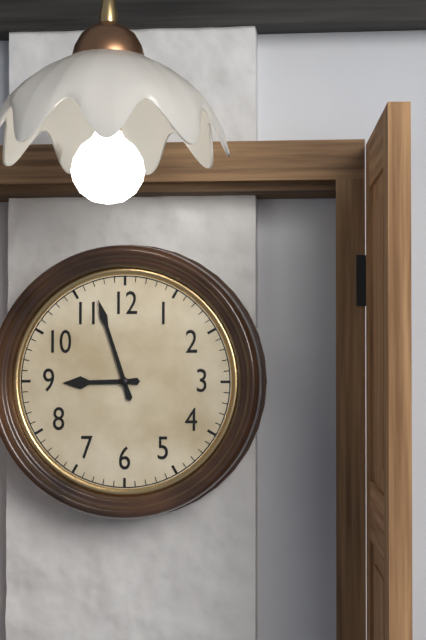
8:57
